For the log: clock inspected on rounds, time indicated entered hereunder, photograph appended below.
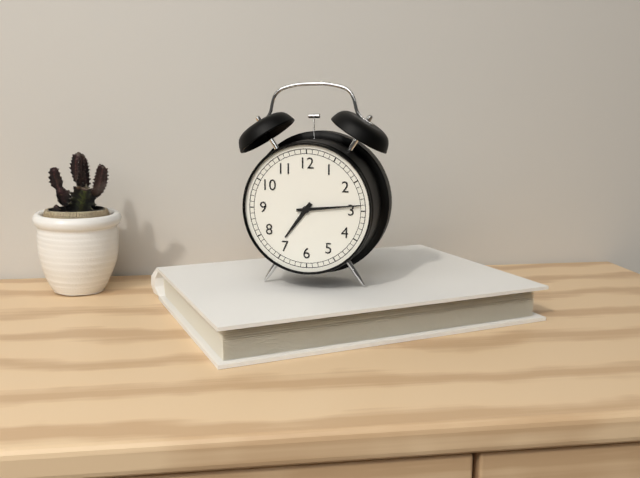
7:14
